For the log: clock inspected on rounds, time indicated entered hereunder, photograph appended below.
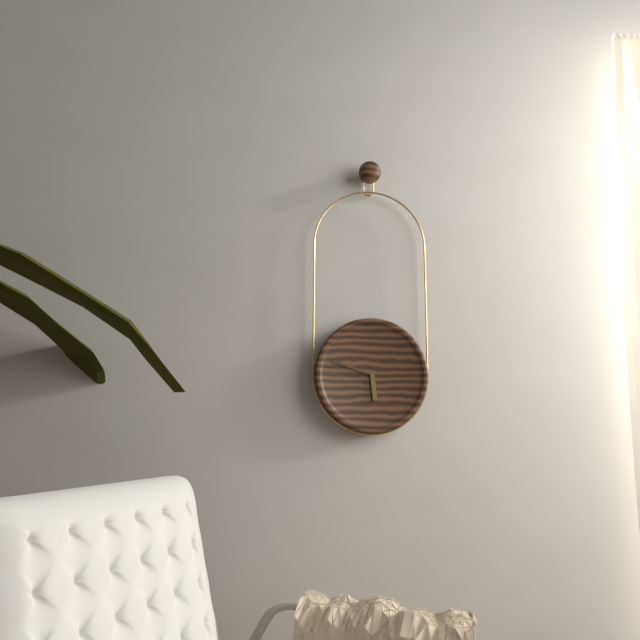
5:48
